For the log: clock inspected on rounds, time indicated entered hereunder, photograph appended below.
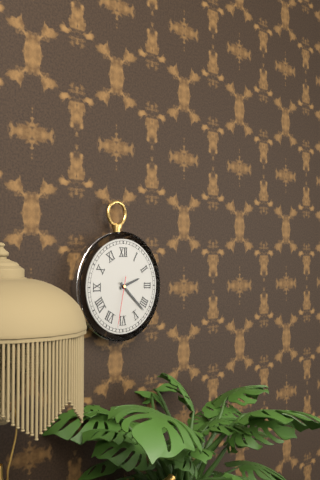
2:22:32
